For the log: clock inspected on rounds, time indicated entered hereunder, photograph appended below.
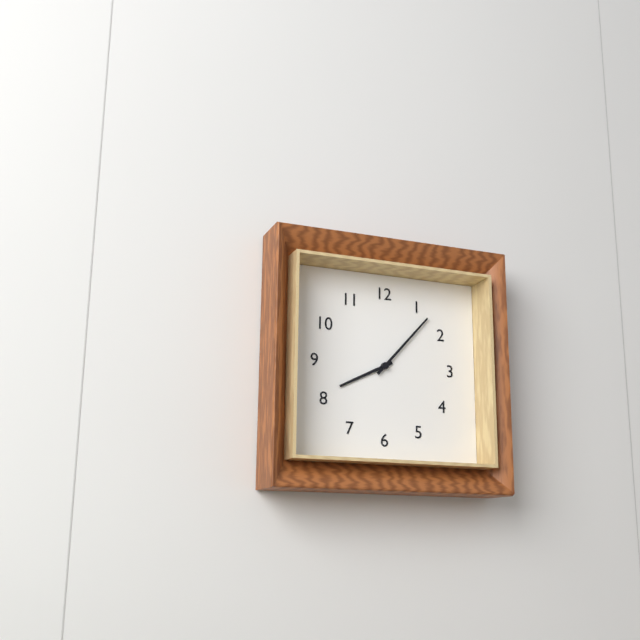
8:07
